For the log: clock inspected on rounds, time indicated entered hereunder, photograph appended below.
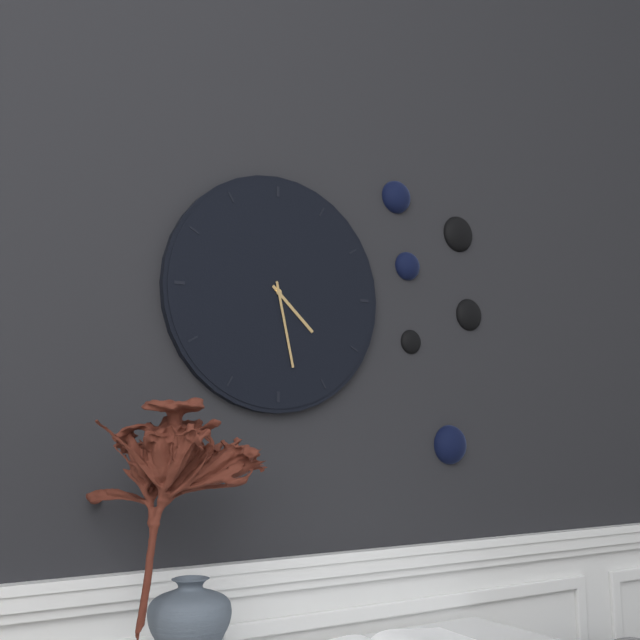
4:28
